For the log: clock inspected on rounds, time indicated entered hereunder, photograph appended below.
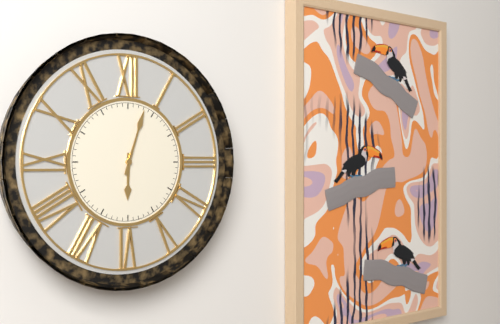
6:03
